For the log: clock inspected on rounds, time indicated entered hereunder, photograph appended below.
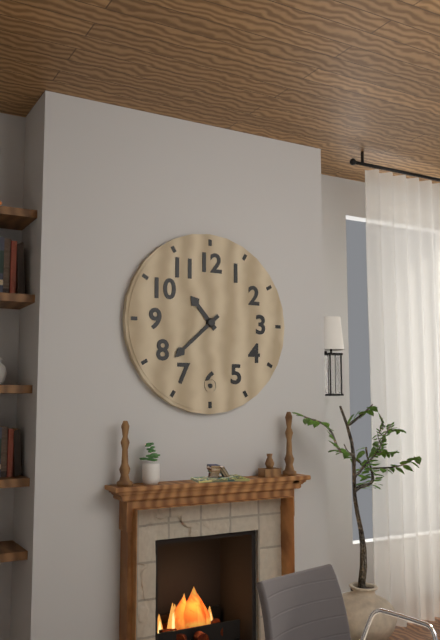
10:38
